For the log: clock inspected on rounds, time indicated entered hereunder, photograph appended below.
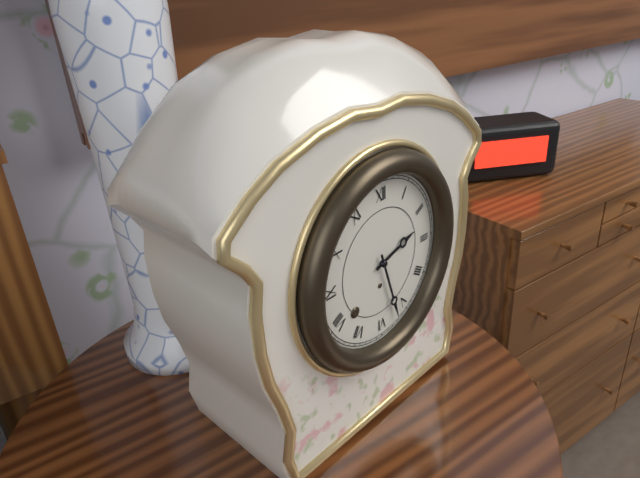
2:27
